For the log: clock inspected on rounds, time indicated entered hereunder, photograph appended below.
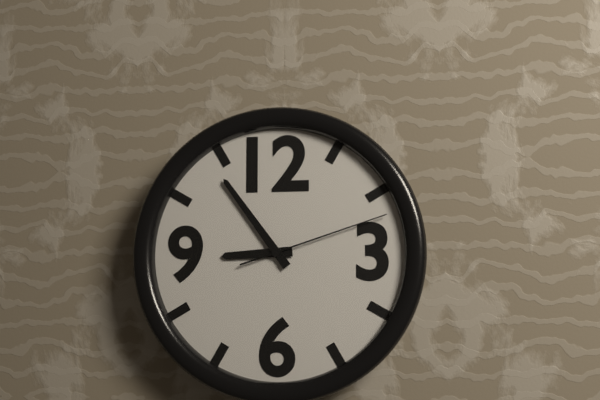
8:54:12
